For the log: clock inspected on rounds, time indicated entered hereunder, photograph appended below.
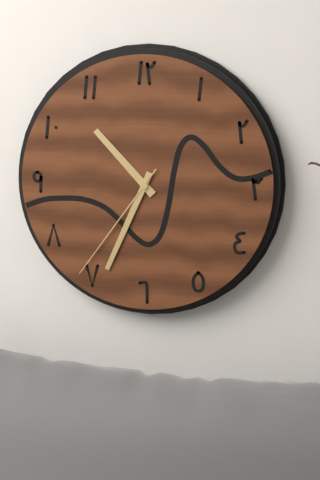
10:34:36
